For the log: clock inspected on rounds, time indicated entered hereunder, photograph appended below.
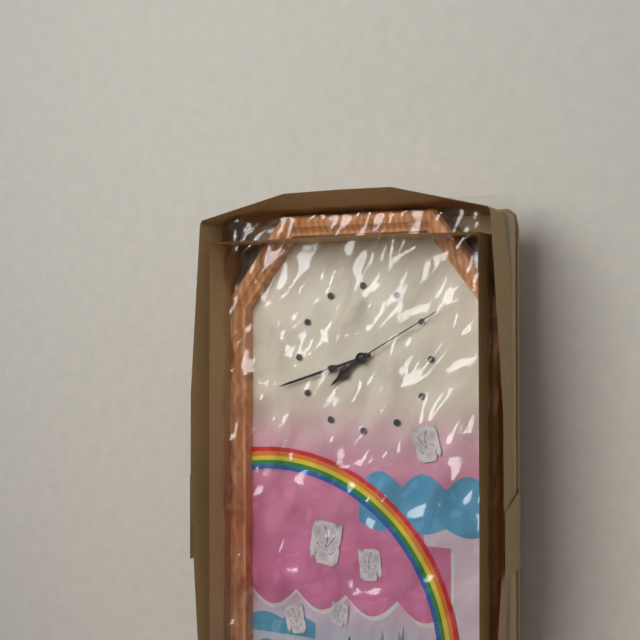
7:42:10
